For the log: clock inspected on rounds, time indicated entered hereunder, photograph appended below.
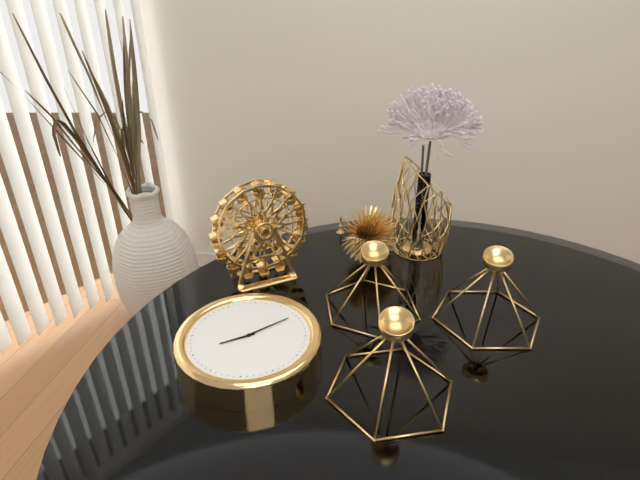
8:09
